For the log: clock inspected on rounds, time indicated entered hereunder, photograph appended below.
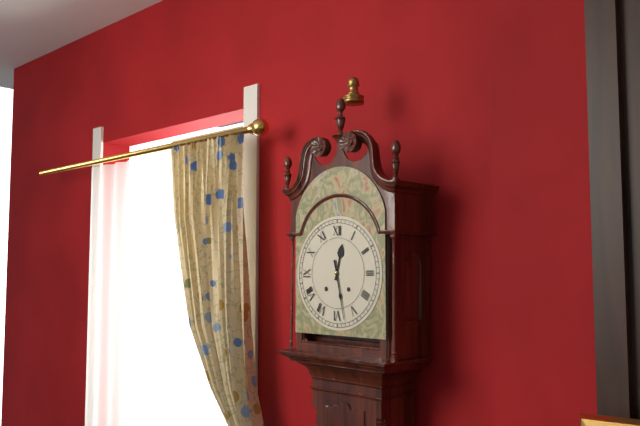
12:28
